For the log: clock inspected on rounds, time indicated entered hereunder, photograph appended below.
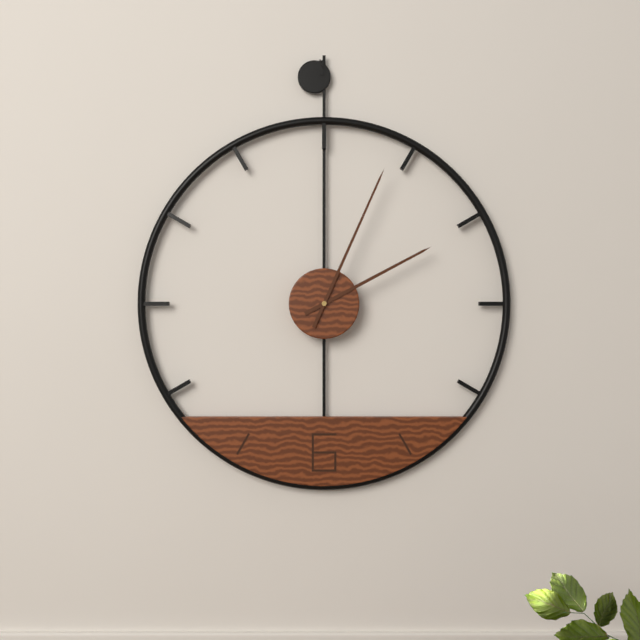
2:04
